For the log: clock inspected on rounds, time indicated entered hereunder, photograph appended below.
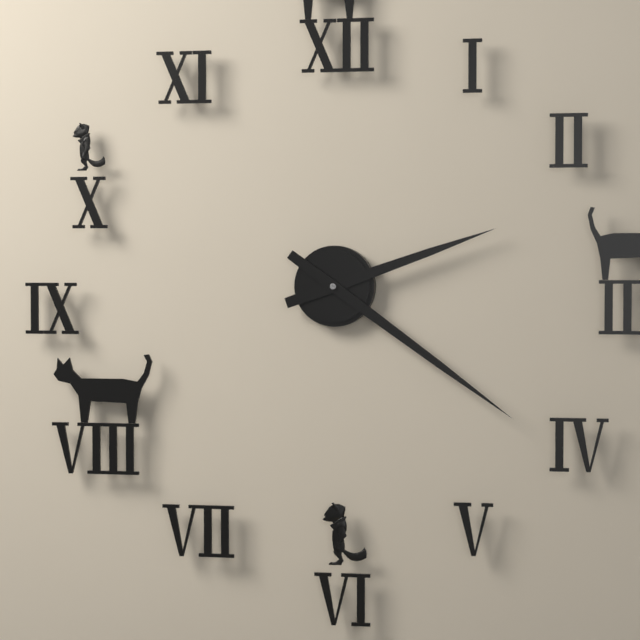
2:21
